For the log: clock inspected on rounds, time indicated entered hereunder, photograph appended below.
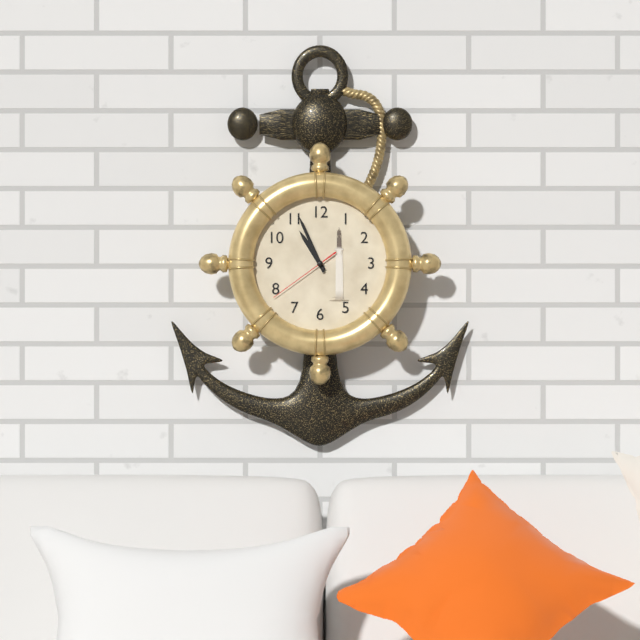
10:56:39
